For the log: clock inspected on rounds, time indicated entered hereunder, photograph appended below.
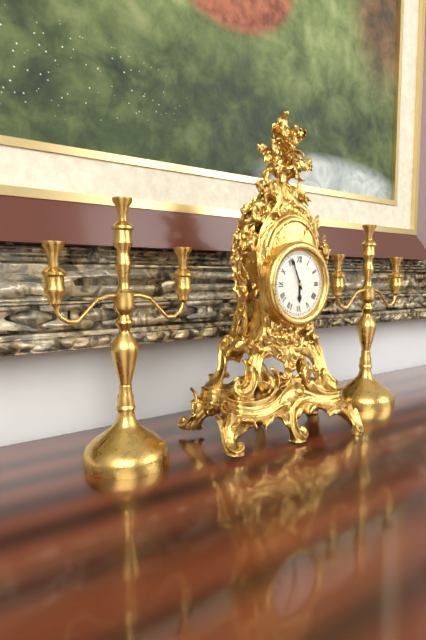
5:56
